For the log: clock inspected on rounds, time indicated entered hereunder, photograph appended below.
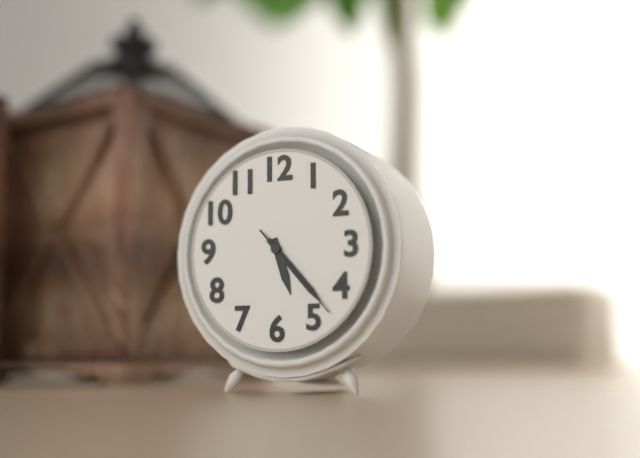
5:23:23
